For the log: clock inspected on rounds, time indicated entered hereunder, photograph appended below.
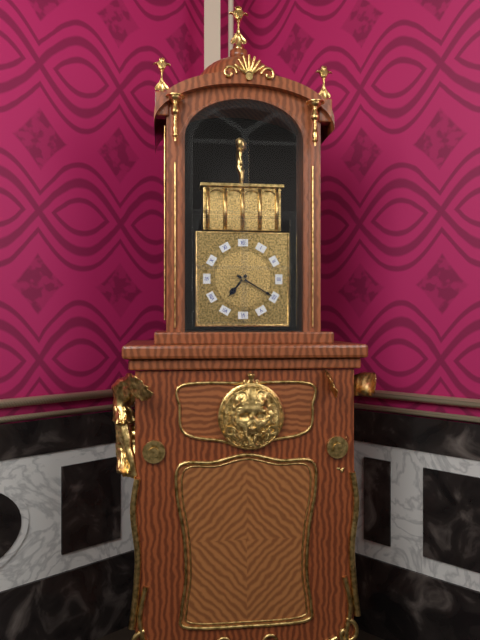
7:20
